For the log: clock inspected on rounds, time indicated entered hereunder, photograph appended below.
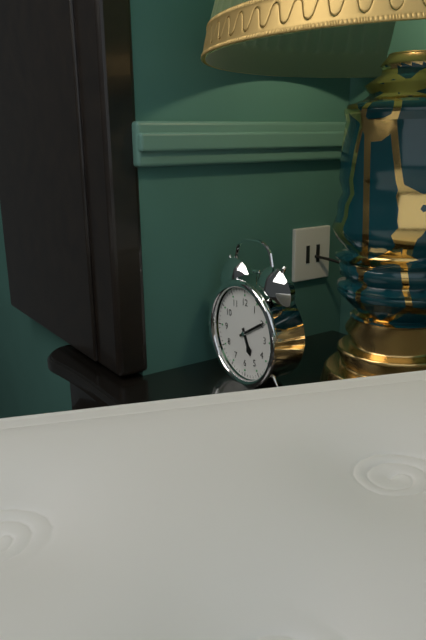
5:10
